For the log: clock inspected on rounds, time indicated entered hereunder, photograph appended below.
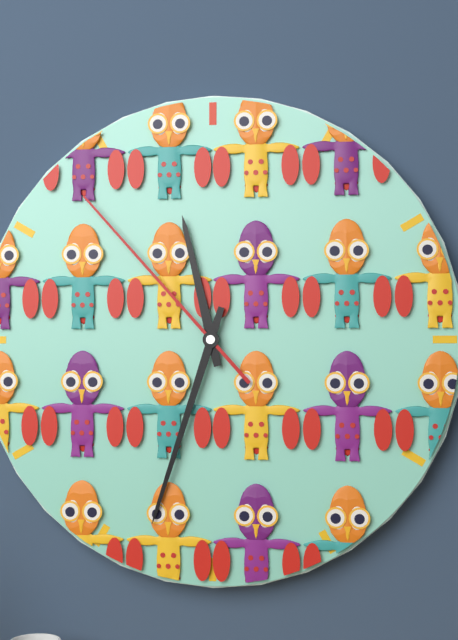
11:33:53
